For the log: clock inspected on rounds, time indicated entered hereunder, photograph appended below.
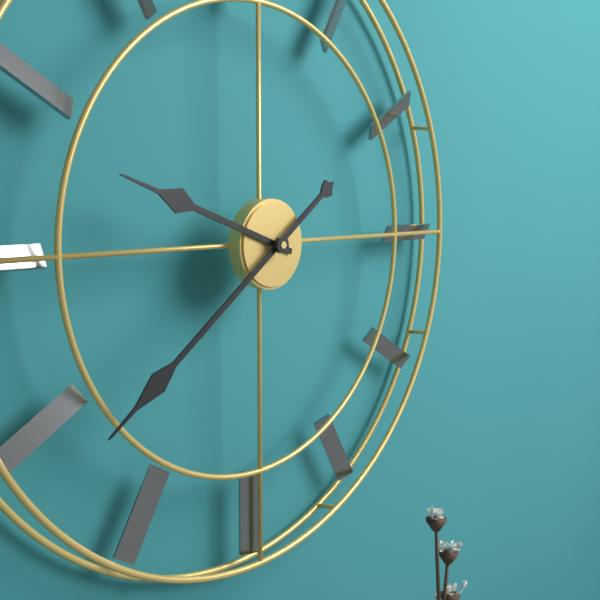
9:39
